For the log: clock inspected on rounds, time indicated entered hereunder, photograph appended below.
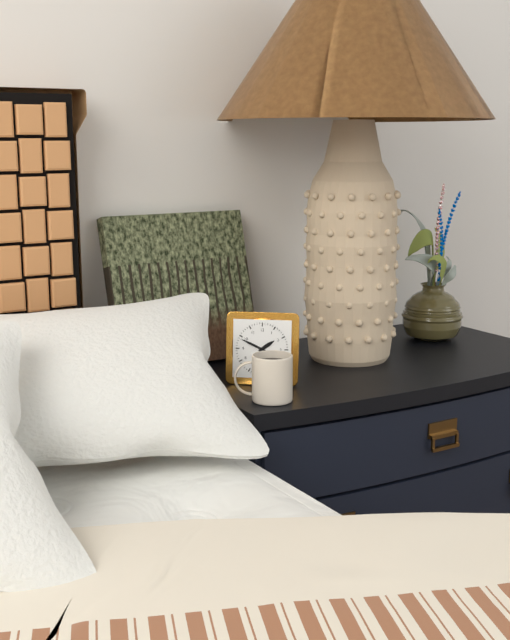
1:49
